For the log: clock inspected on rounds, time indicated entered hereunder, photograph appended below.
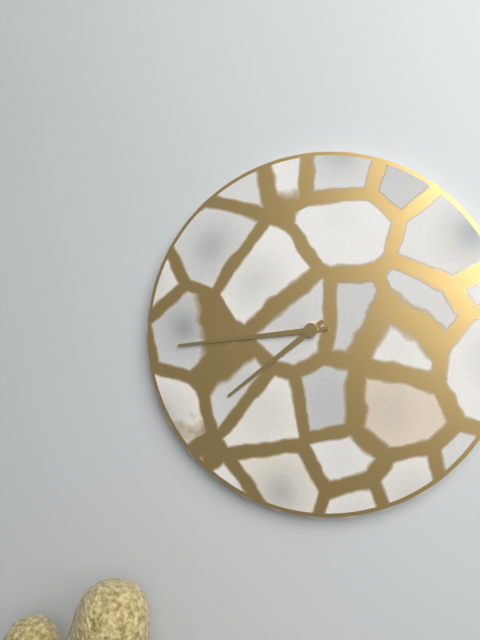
7:44
